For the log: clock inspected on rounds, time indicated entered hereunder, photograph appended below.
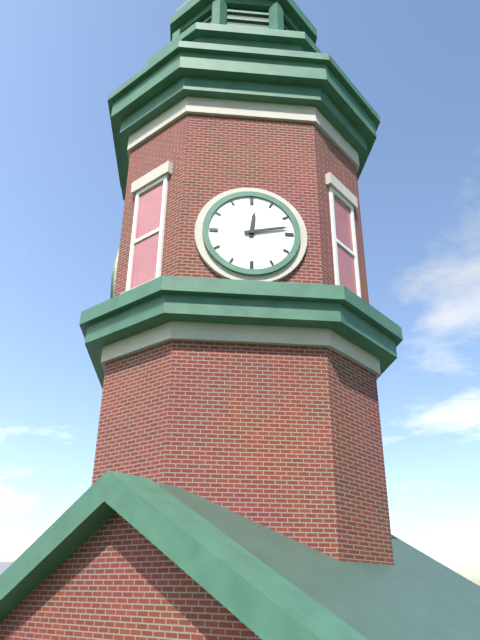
12:13
